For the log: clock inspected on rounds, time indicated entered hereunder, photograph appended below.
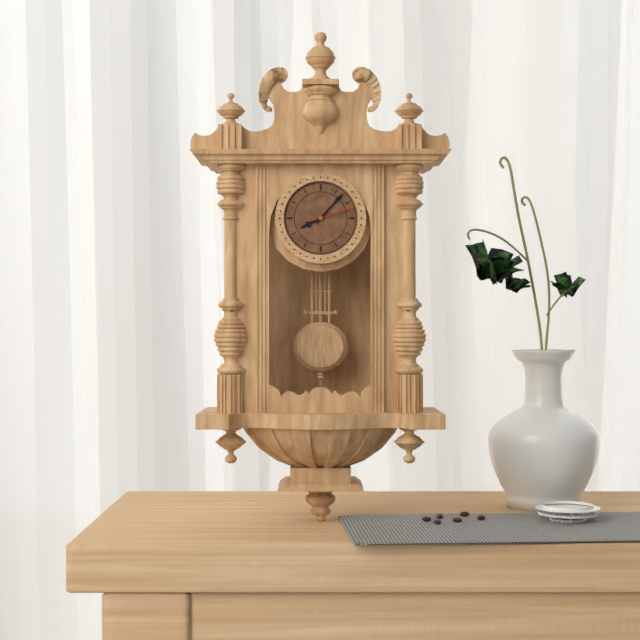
8:07
